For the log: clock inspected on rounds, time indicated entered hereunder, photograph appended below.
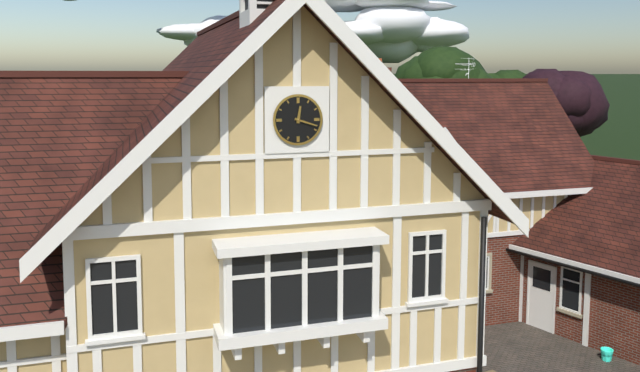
12:18
